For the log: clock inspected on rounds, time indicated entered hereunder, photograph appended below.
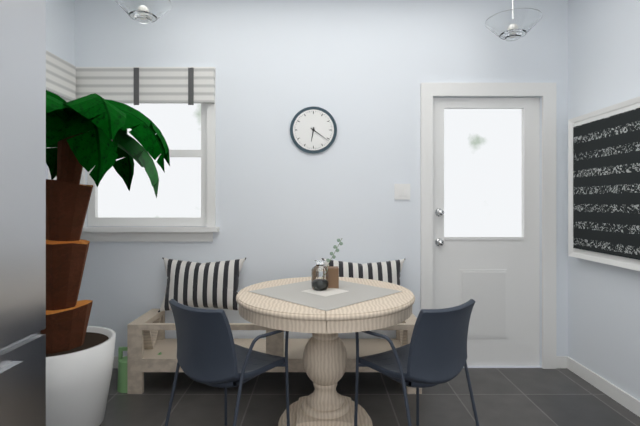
6:21
